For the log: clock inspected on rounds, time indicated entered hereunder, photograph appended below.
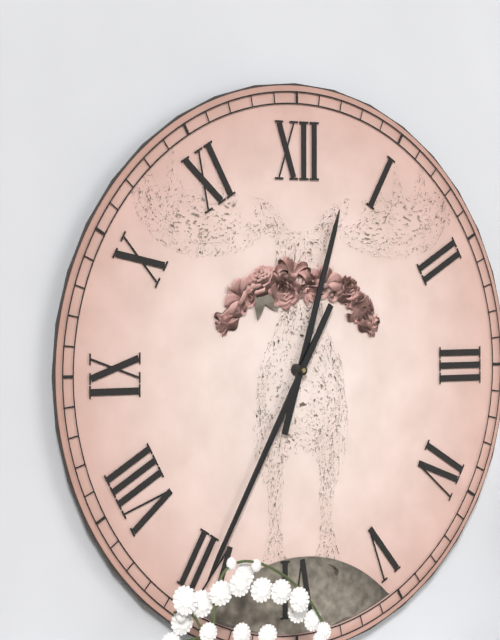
12:35
